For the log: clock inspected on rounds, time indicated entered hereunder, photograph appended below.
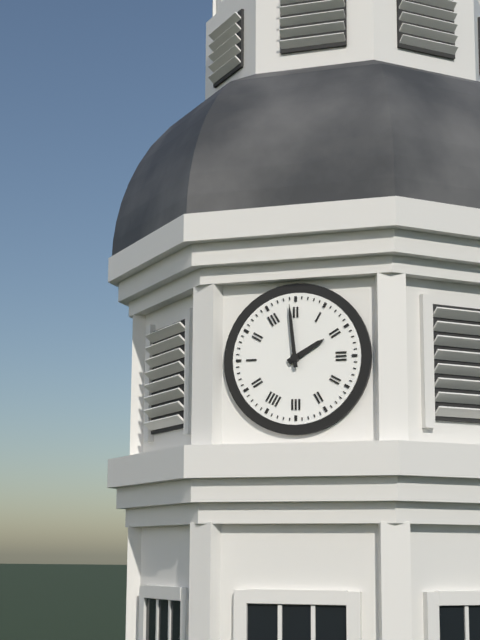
1:59
